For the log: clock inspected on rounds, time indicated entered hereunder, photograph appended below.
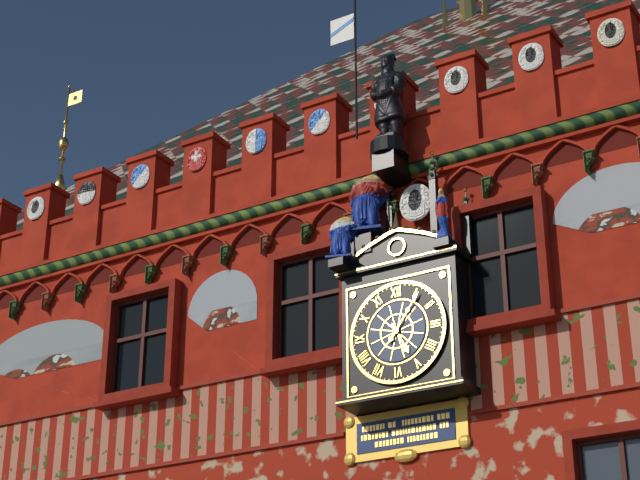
5:06
